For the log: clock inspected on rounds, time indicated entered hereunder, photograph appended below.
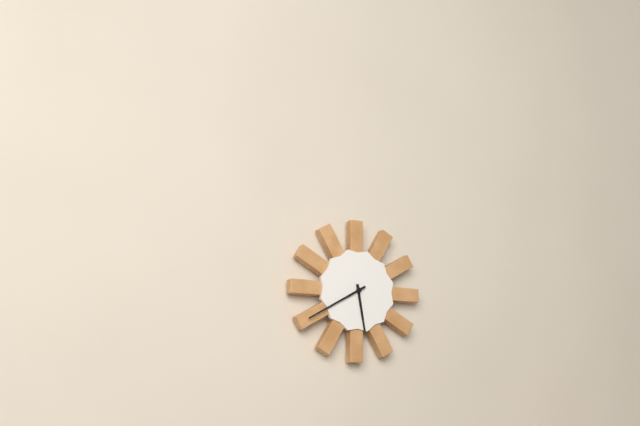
5:40
